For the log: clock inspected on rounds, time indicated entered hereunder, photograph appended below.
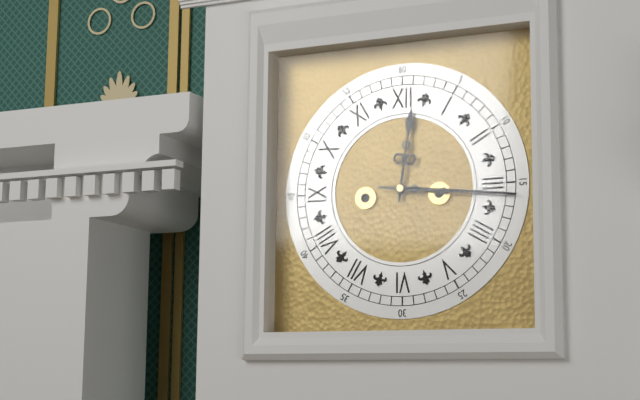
12:16
